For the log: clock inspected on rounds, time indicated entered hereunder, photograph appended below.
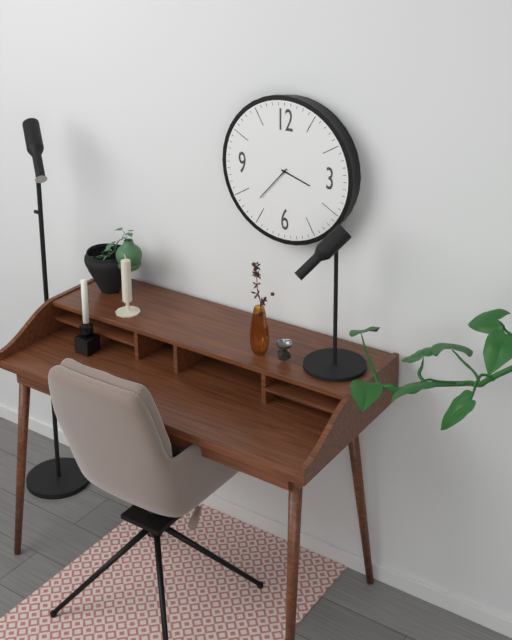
3:37
